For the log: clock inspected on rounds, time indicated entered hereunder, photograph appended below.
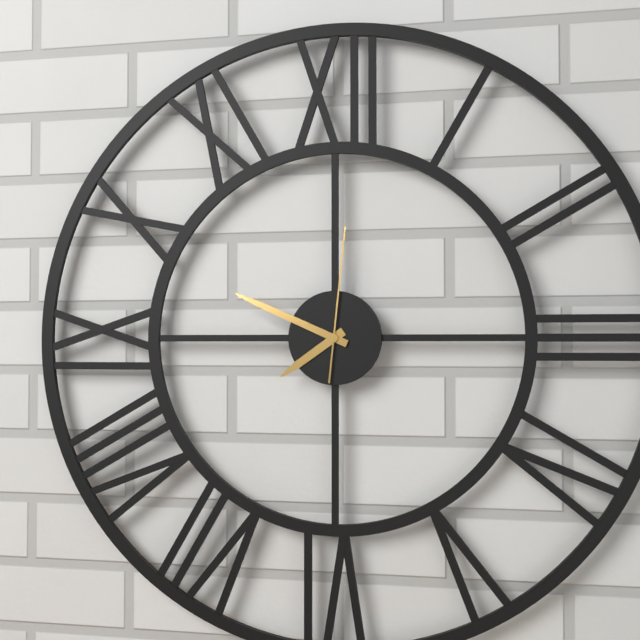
7:49:01
